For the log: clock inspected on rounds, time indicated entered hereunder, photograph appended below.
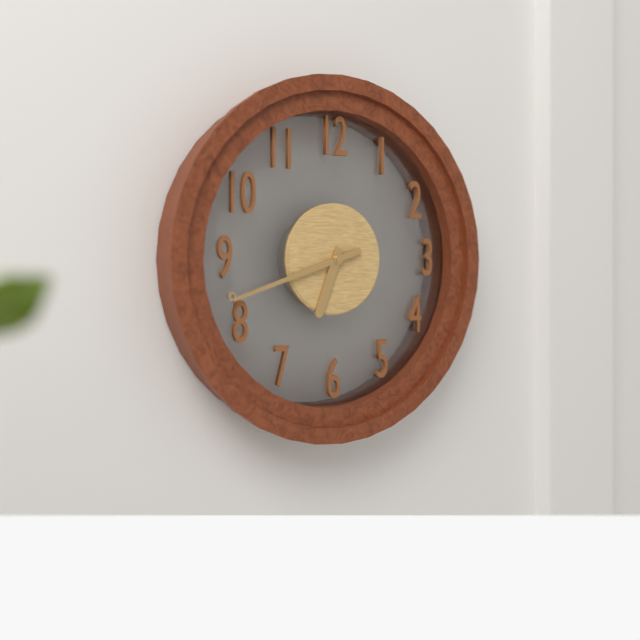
6:42
